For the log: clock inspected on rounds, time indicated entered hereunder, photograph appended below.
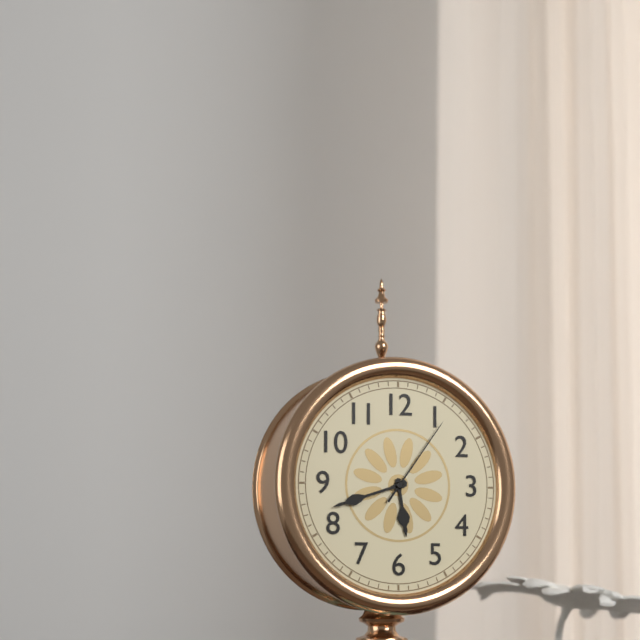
5:42:06
